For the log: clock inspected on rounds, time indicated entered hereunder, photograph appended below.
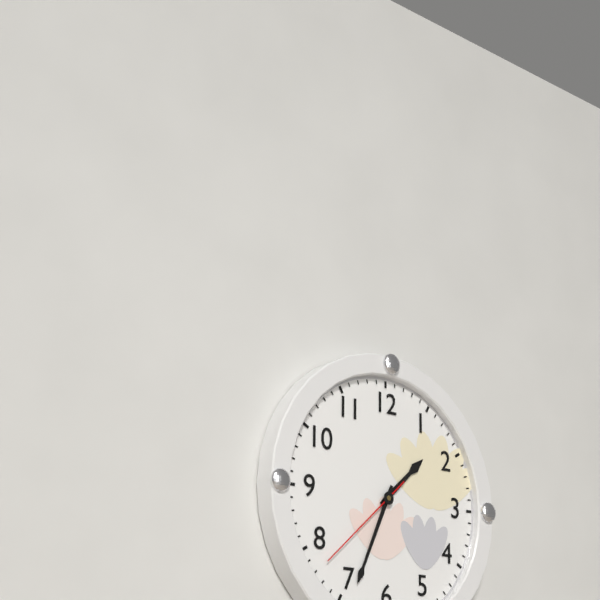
1:34:38
